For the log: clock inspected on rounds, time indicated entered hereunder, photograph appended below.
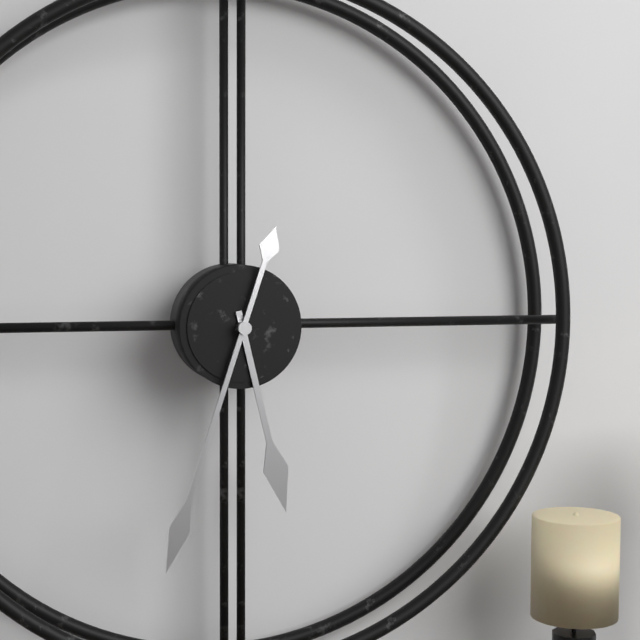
5:33
